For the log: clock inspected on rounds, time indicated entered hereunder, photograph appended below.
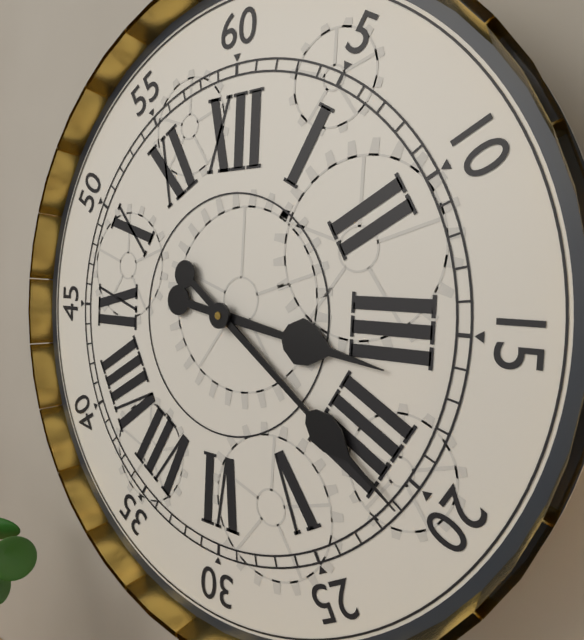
3:21
